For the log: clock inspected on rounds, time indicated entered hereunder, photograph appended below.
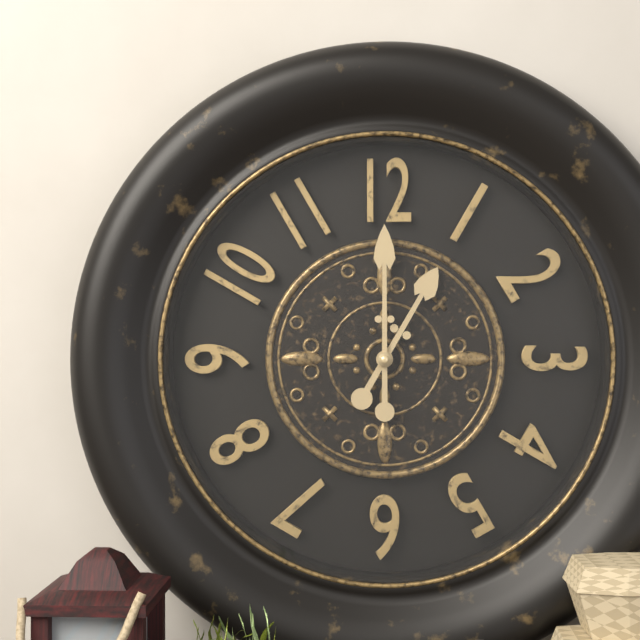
1:00
